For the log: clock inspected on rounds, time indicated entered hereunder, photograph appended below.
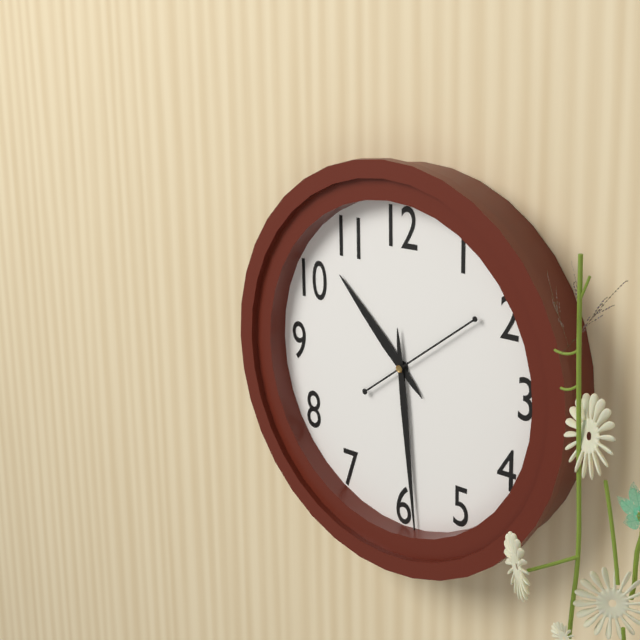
10:29:09
